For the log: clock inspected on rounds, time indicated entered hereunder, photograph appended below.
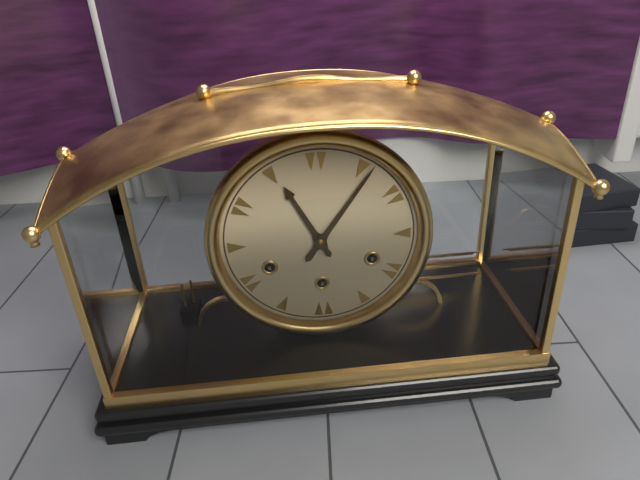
11:06
